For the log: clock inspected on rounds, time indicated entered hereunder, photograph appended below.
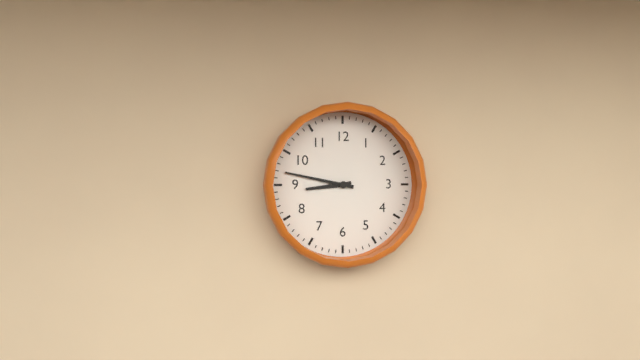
8:47
